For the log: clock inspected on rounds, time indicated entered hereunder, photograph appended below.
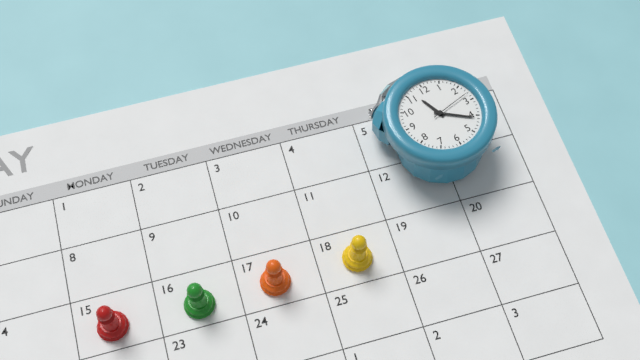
11:21
